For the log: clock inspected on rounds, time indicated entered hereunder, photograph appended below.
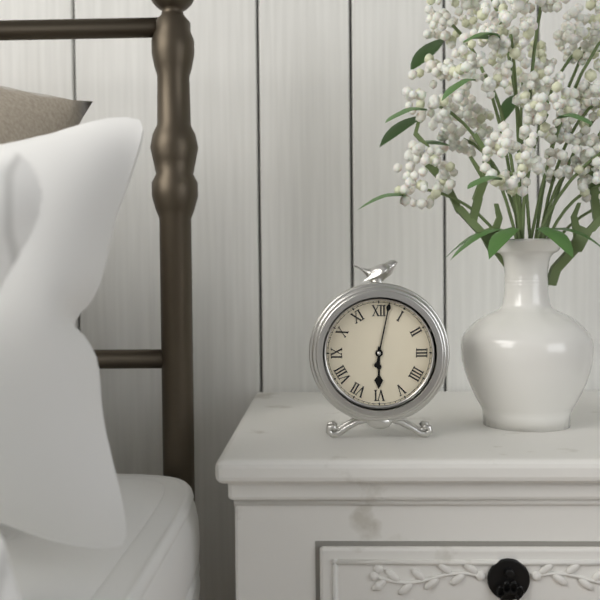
6:02
